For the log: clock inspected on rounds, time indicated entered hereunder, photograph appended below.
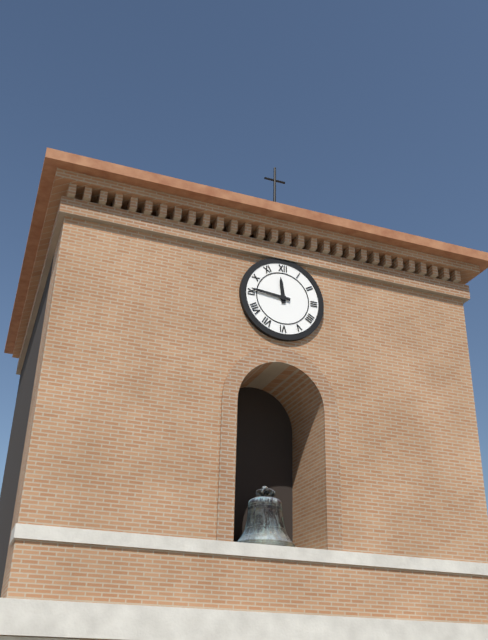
11:46
